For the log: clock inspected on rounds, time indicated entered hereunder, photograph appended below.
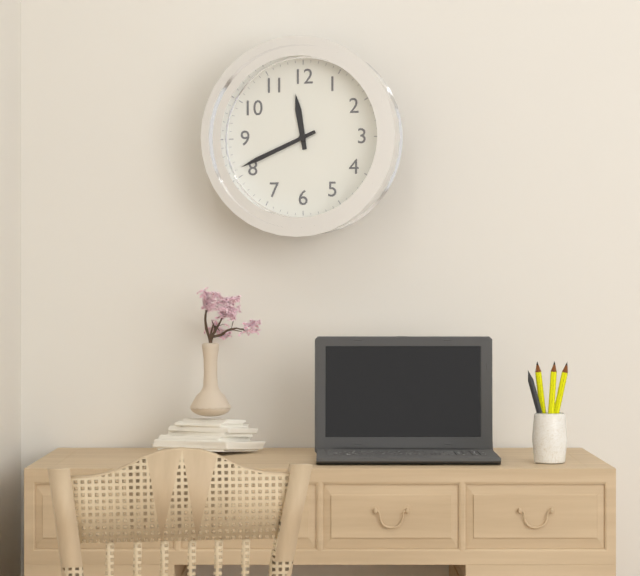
11:41
